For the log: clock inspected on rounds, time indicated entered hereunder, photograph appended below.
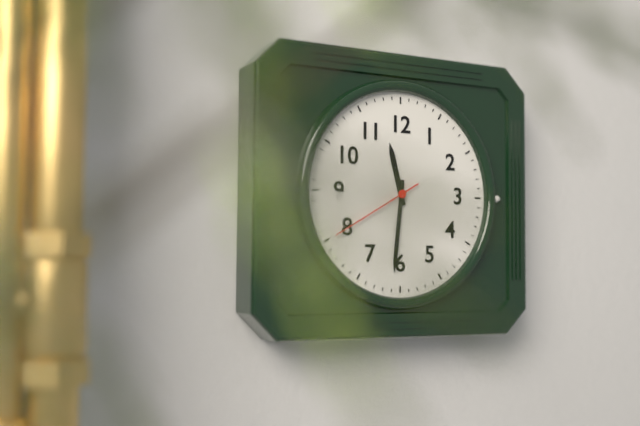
11:31:40
